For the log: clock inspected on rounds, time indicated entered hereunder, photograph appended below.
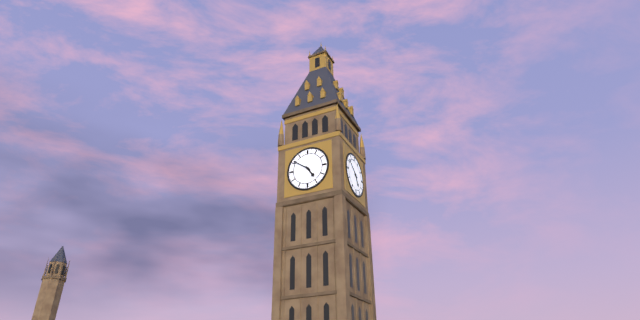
4:51
